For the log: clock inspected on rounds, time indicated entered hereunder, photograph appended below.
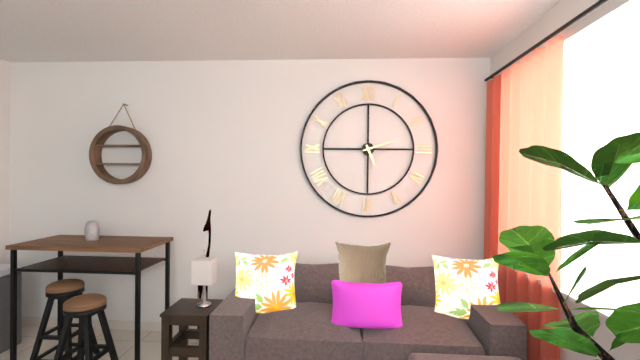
5:12
